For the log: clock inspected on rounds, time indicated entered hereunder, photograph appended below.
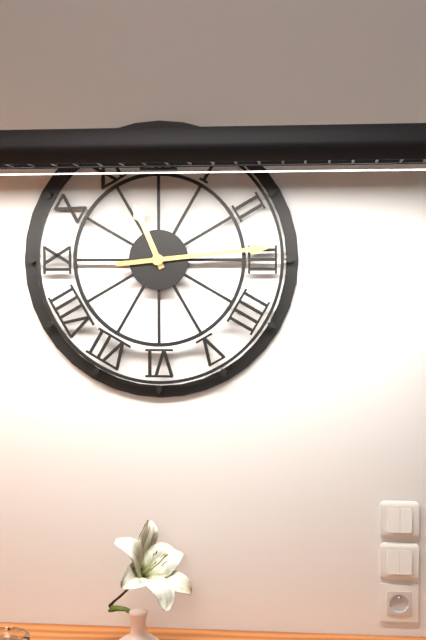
11:14
